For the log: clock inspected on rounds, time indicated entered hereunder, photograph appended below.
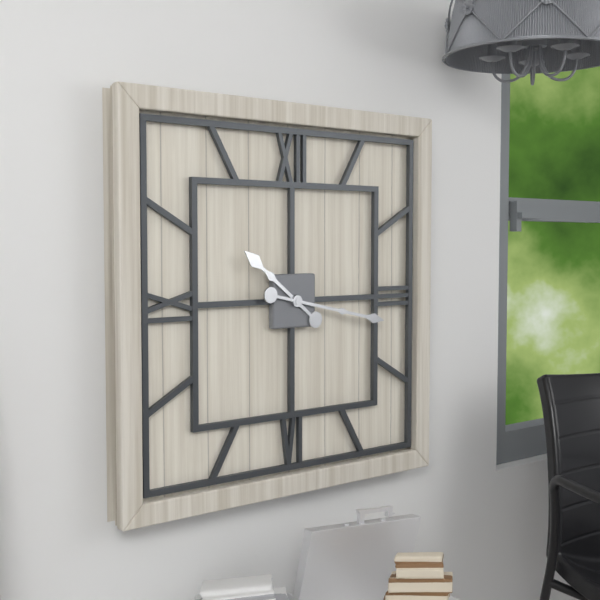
10:17
